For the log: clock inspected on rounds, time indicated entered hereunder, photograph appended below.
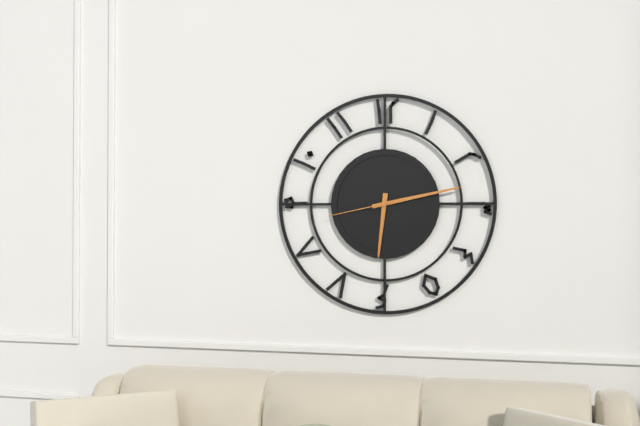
6:13:43
